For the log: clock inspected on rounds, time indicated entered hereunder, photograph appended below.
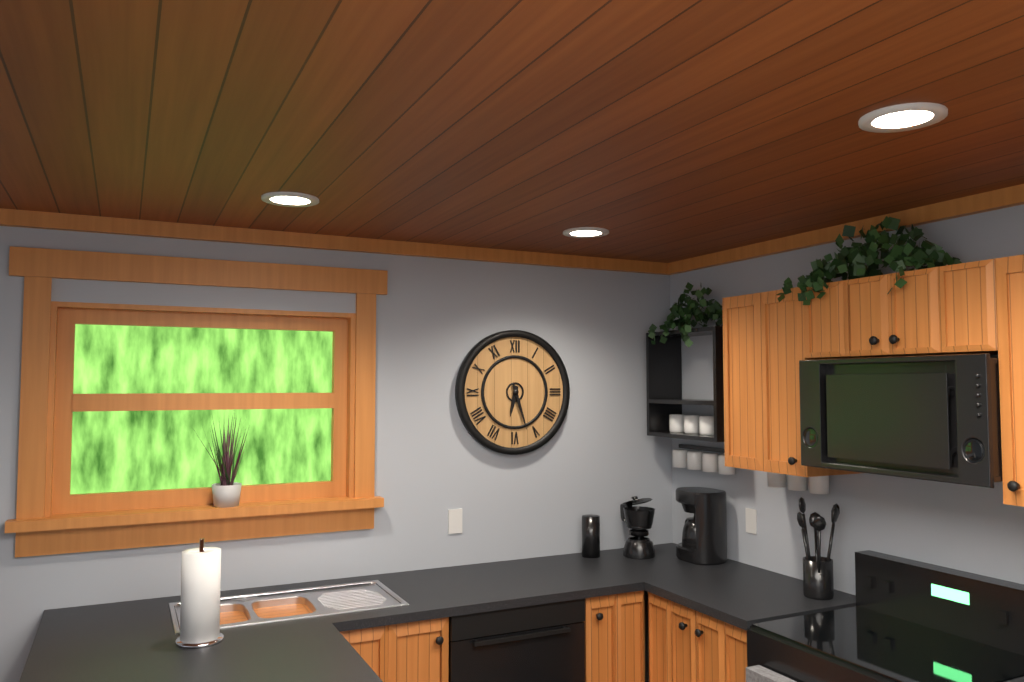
6:27
